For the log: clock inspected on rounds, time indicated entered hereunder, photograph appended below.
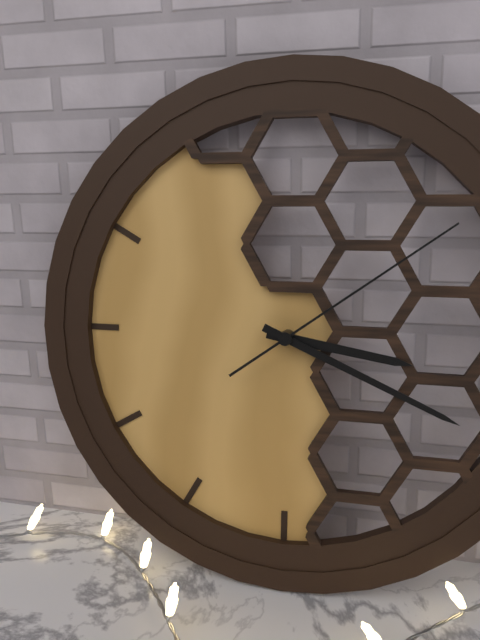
3:19:09
